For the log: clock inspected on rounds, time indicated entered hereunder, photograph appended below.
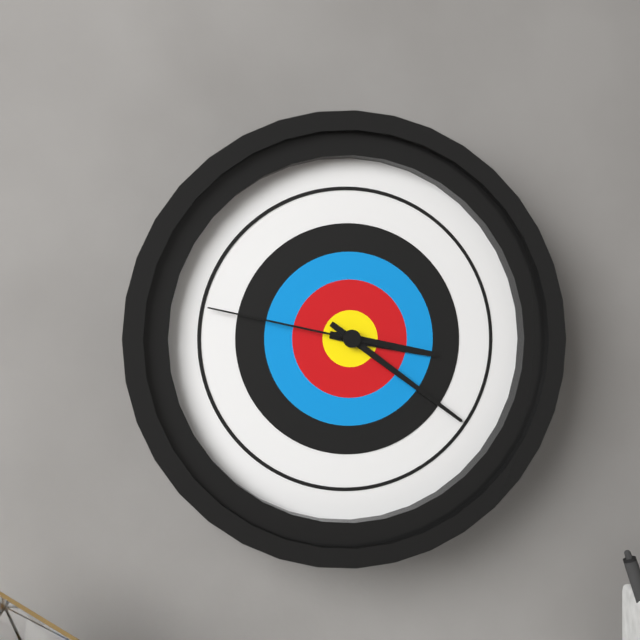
3:21:47
